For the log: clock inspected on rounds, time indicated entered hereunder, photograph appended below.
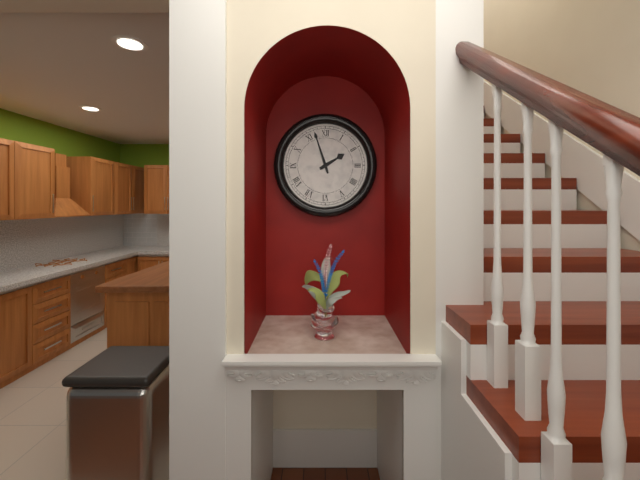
1:57
